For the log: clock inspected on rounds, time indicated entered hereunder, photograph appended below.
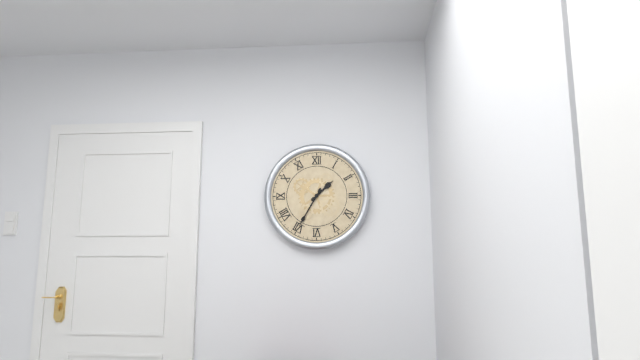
1:35
